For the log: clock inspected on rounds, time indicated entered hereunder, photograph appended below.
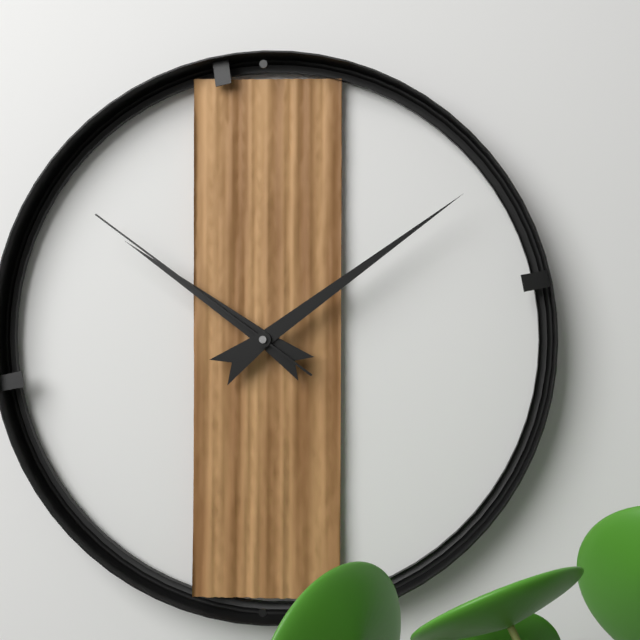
10:09:51
